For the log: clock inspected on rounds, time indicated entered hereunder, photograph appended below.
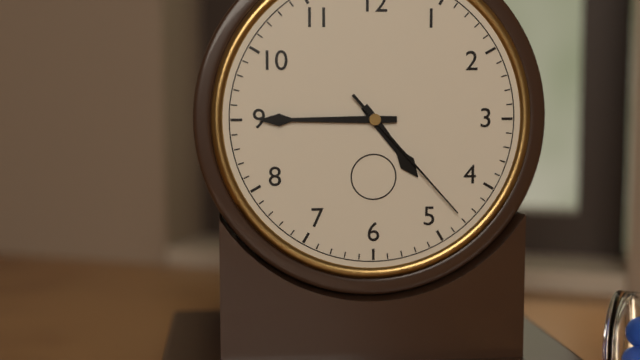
4:45:23
